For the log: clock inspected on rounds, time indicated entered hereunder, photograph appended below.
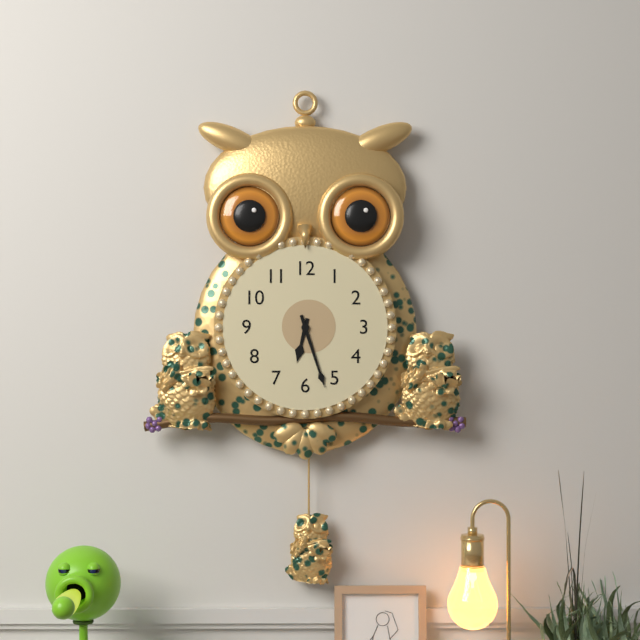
6:27
